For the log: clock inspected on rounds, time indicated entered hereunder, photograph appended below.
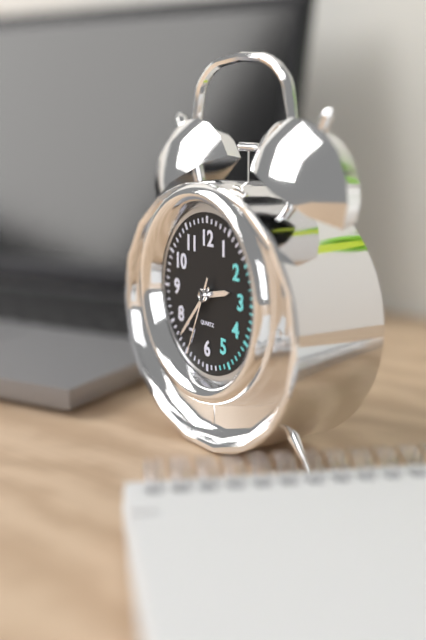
2:37:34
